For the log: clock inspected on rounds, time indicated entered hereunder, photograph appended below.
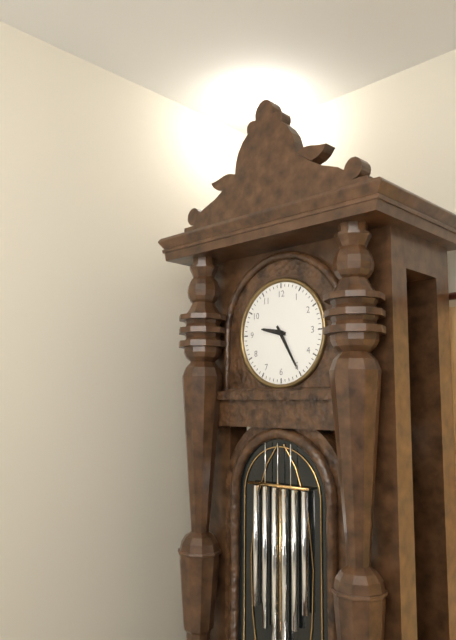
9:25
